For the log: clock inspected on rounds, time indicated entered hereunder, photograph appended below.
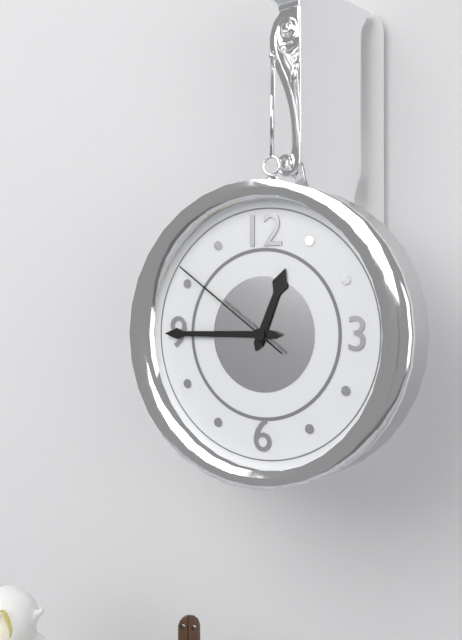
12:45:51
